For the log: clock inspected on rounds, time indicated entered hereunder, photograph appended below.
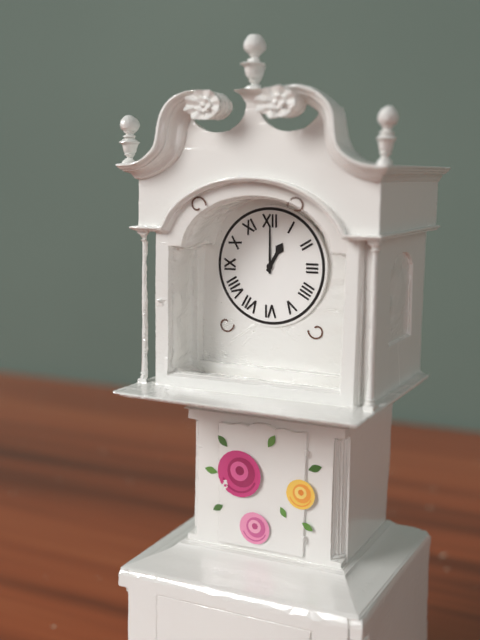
1:00
